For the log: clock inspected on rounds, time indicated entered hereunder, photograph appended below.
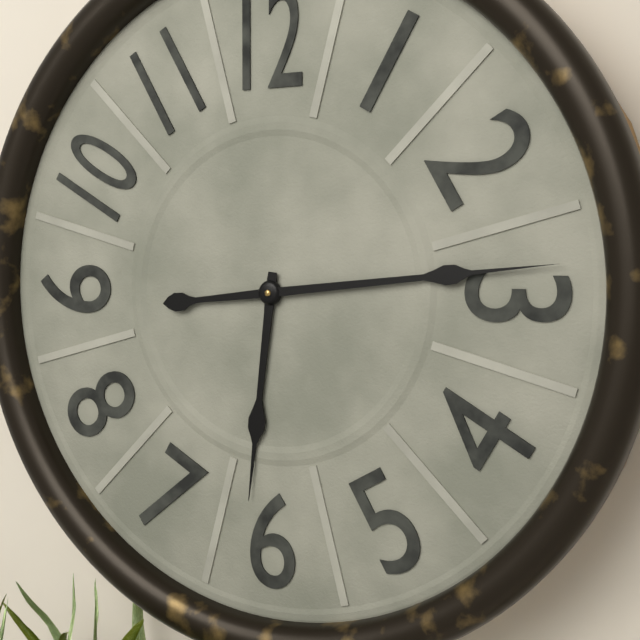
6:14
